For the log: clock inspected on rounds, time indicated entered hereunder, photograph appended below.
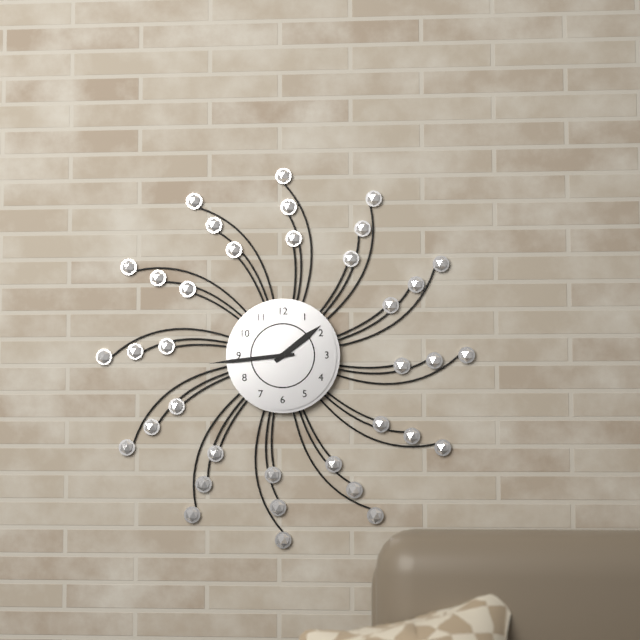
1:44
